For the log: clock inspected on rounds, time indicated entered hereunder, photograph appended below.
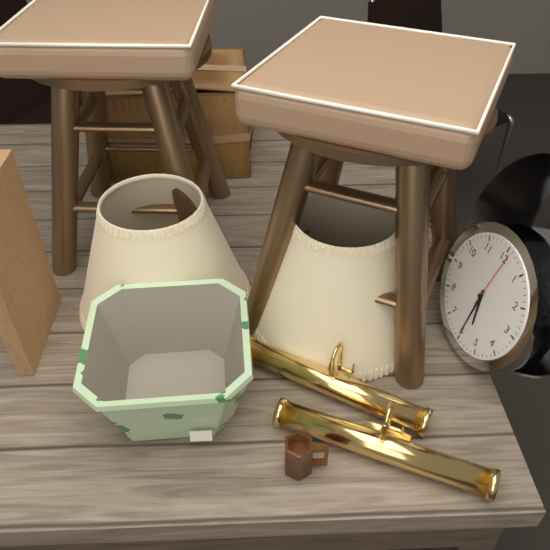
5:30:01
